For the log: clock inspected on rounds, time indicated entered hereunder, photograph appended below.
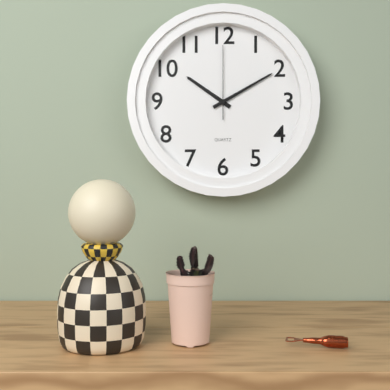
10:10:00
